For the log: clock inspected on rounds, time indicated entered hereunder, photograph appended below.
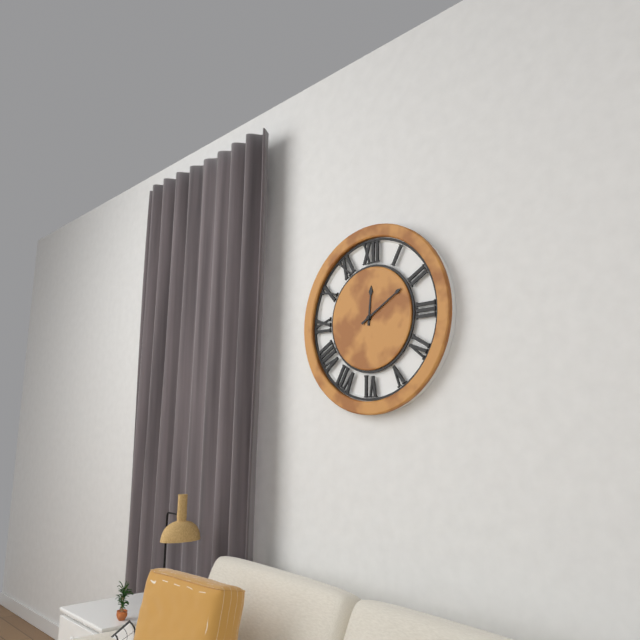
12:10
